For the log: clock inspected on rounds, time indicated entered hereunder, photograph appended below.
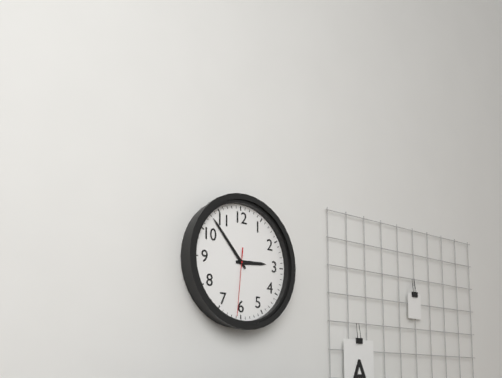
2:53:31
